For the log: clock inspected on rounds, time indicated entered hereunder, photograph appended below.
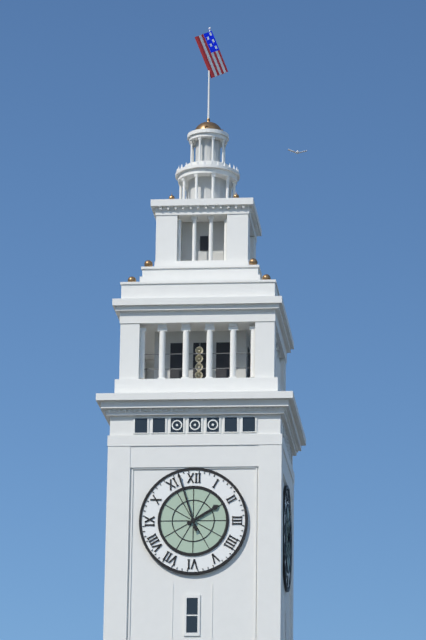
1:57
